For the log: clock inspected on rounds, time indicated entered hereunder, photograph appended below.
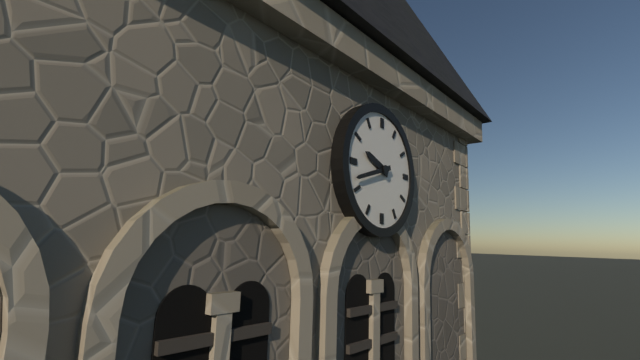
9:42
